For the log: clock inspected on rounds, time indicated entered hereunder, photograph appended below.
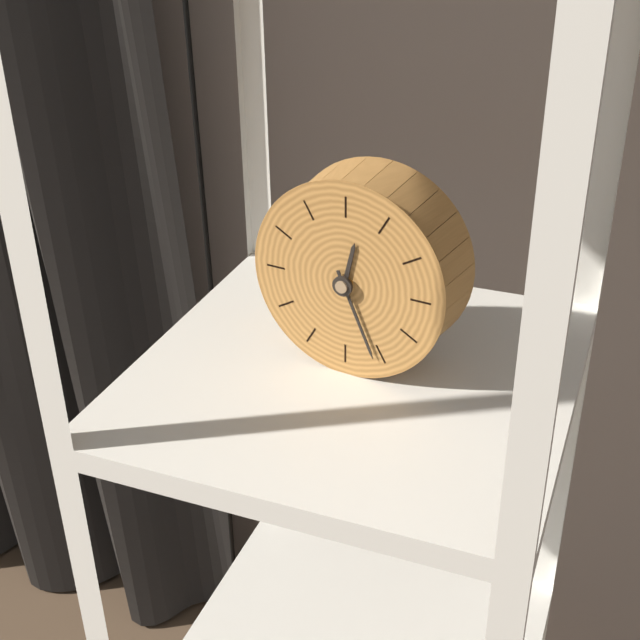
12:26
